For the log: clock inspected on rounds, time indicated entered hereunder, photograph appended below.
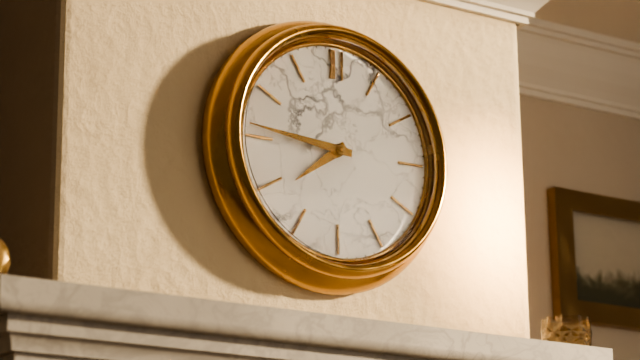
7:46
